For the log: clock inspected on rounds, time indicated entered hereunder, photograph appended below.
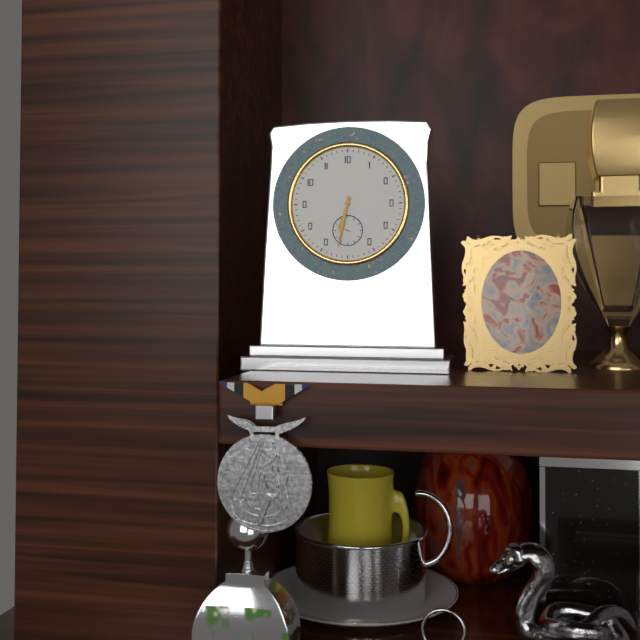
6:32
